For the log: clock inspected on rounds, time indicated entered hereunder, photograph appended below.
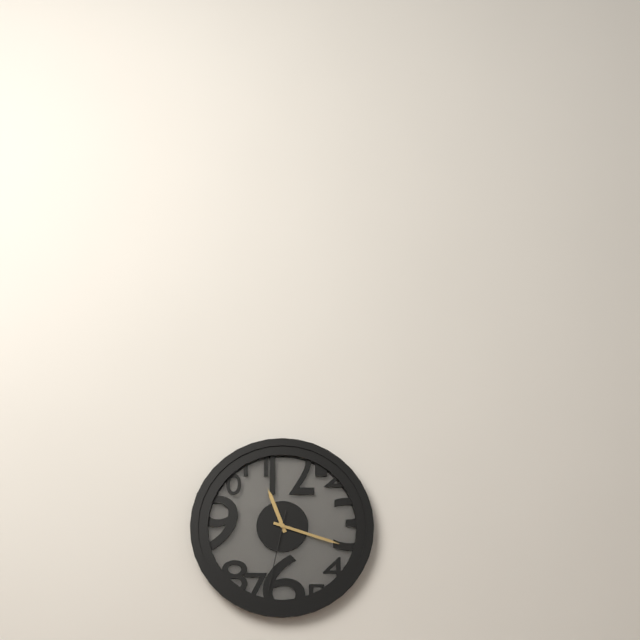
11:18:32
